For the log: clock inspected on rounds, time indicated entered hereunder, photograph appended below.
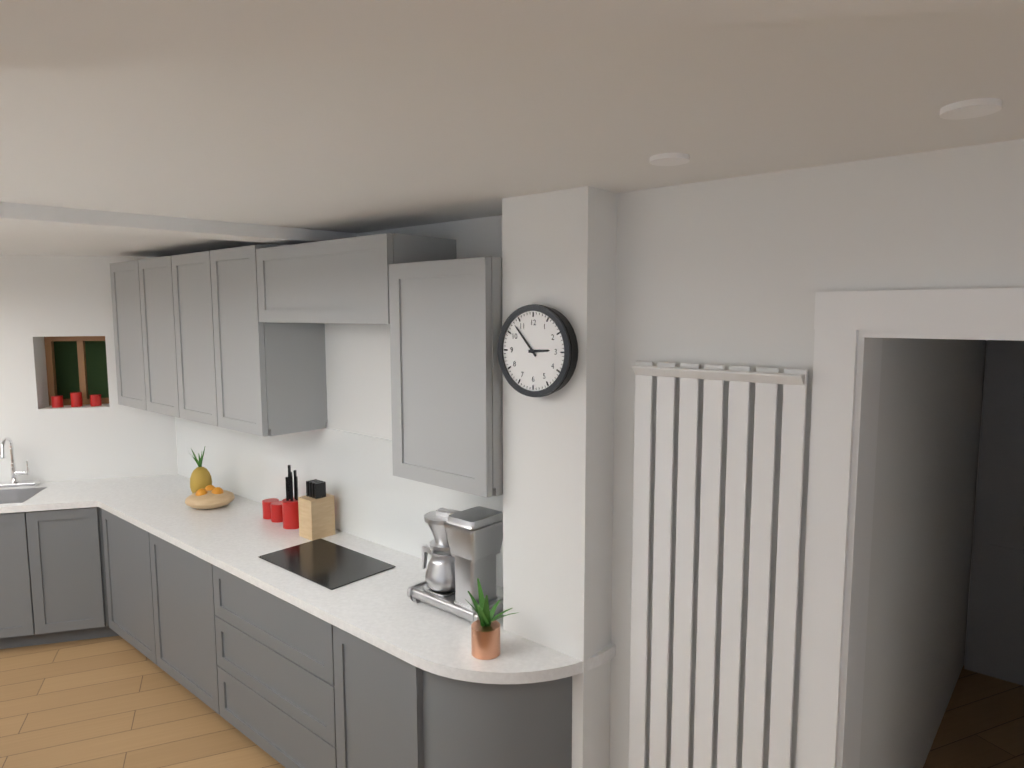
2:53
